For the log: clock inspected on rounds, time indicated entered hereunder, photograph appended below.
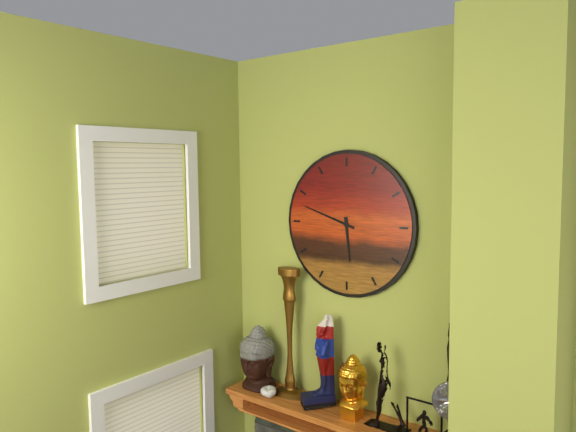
5:48
